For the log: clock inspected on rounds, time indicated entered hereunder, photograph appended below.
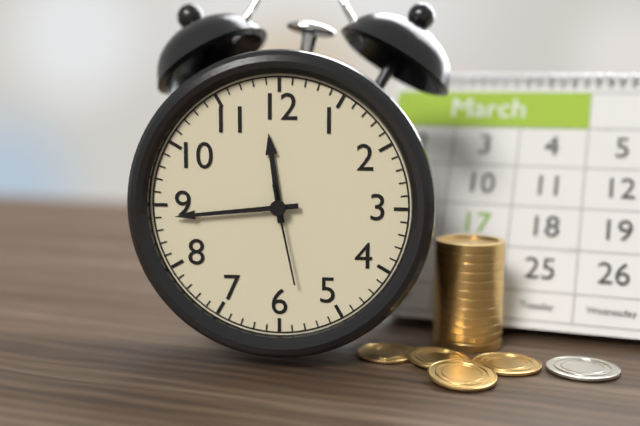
11:44:28
